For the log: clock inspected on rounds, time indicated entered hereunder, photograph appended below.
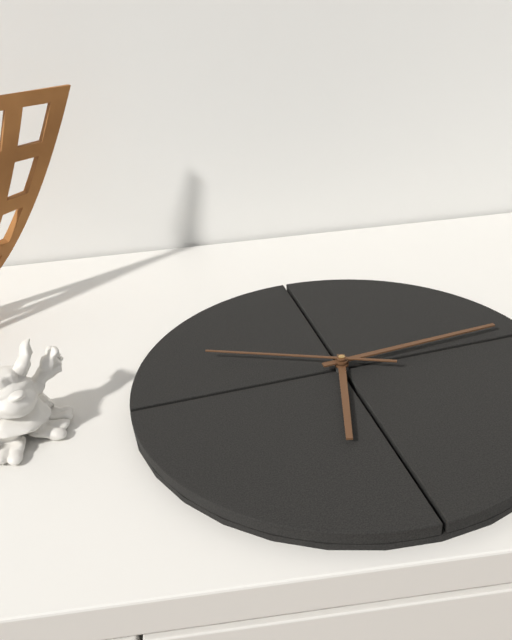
7:18:53
